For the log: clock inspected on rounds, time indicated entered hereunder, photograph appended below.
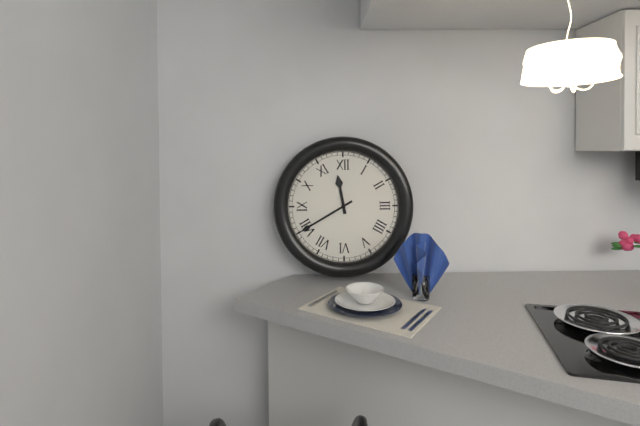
11:40
